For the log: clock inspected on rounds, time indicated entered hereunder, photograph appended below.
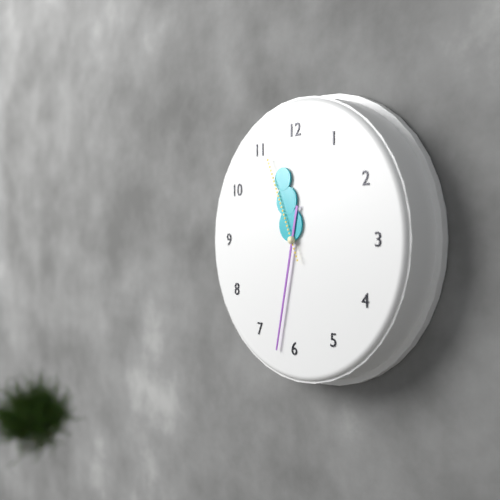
11:32:56
